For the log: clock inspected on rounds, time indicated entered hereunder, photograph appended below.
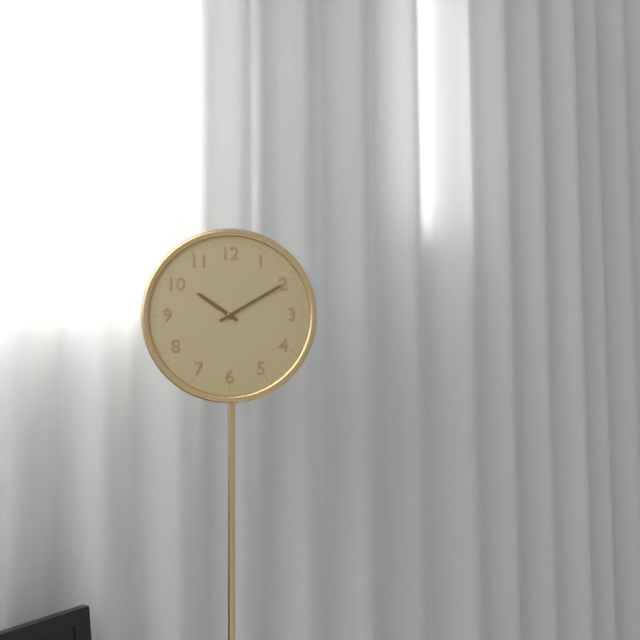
10:10
